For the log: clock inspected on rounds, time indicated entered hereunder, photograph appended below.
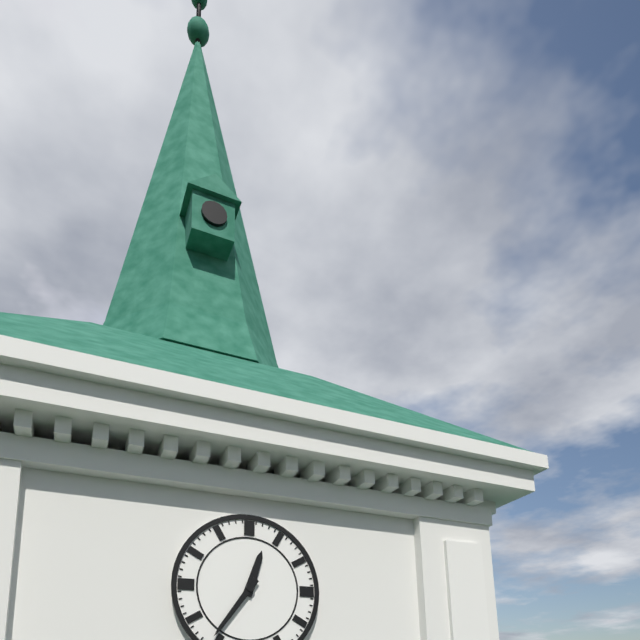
12:36
